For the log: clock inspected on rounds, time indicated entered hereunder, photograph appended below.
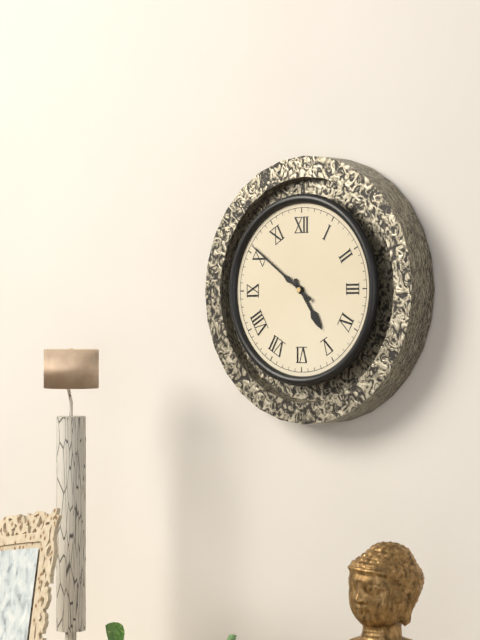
4:51
